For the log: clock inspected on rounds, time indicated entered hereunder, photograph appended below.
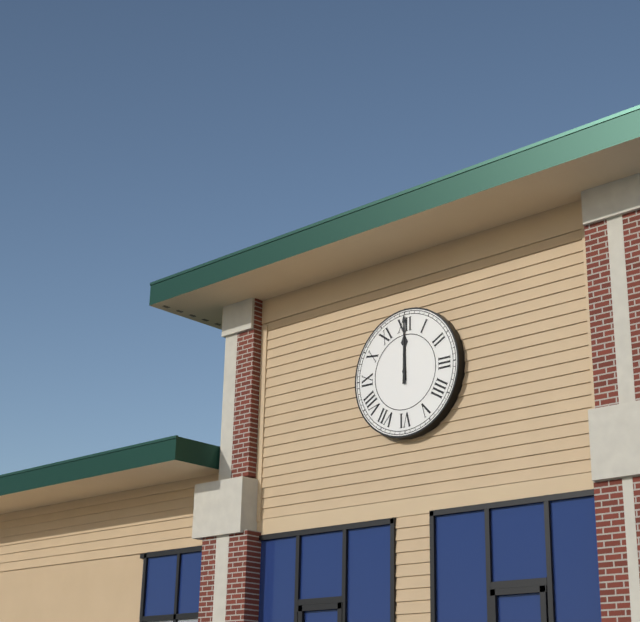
12:00
